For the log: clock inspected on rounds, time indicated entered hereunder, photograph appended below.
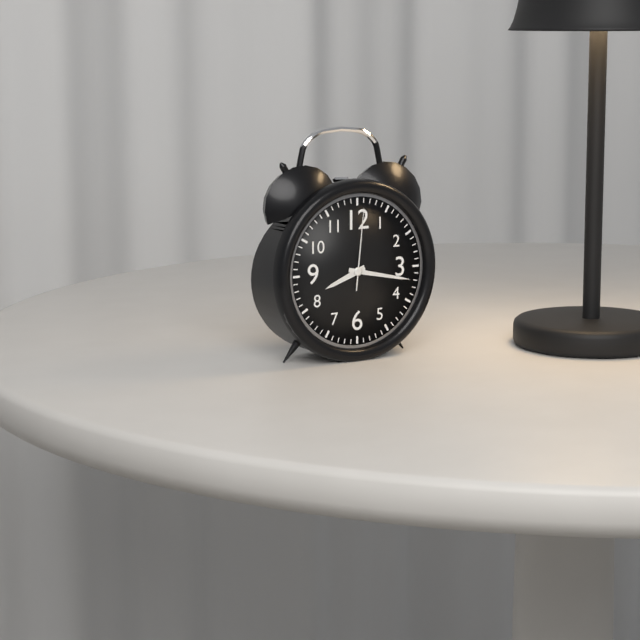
8:17:01
